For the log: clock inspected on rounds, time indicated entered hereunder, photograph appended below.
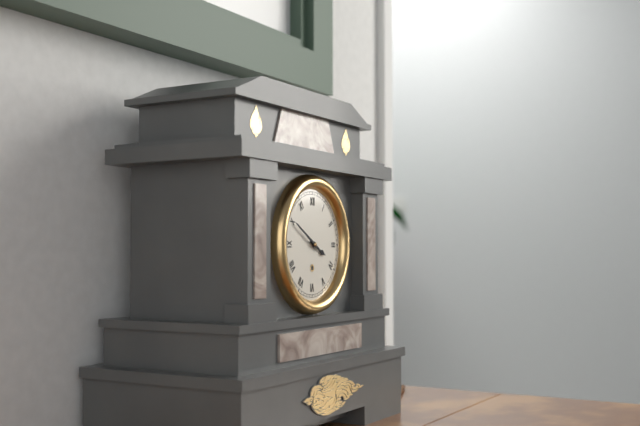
3:50
